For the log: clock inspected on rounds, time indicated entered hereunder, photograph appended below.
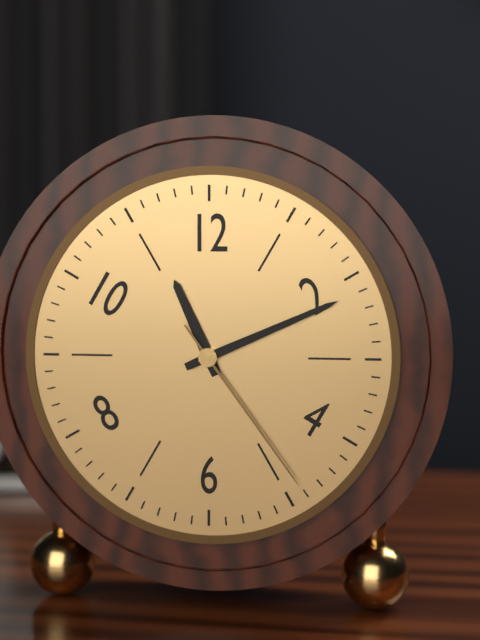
11:11:24
